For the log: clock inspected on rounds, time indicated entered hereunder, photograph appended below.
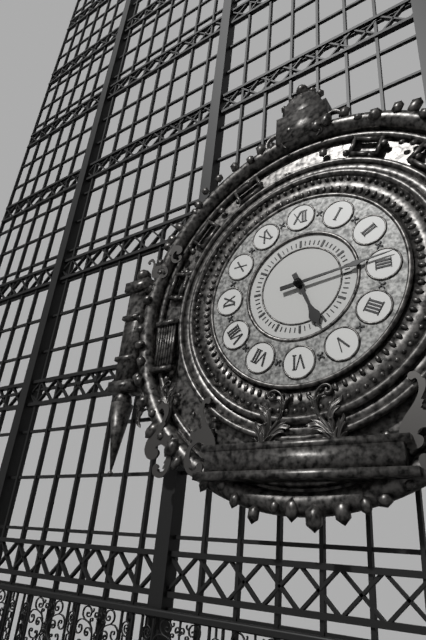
5:14
